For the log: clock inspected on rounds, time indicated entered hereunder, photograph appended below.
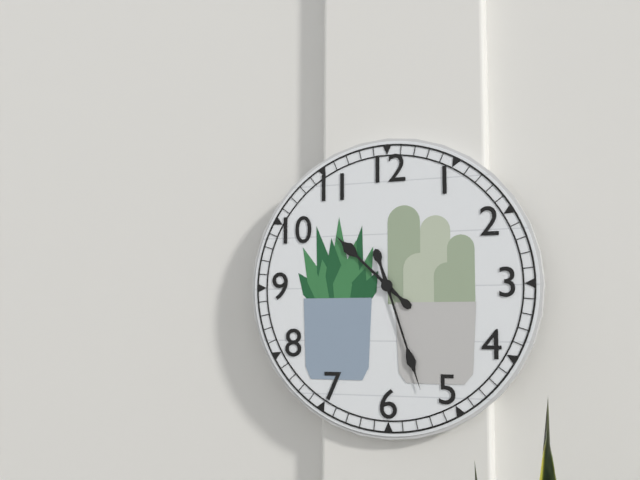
10:27
